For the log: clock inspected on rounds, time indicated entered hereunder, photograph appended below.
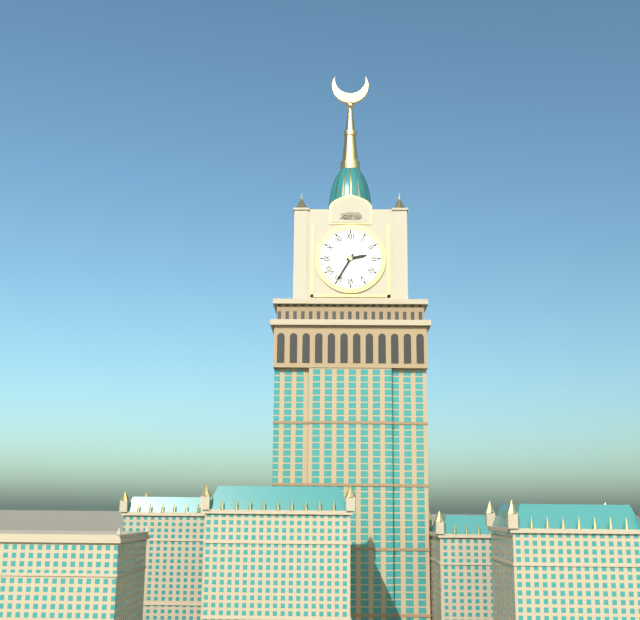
2:35
